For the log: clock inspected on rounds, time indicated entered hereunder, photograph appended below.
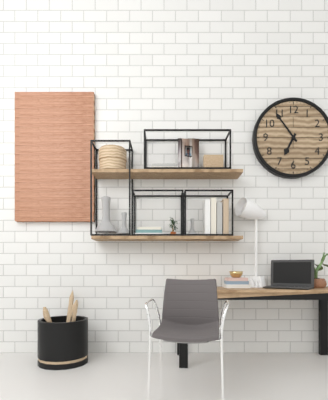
6:54
